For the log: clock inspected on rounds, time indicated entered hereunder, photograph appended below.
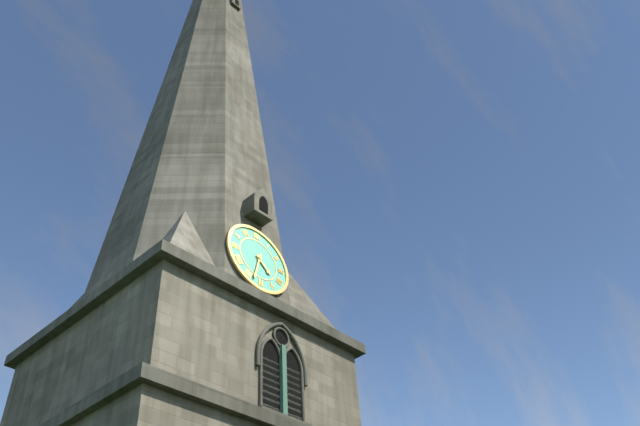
4:33
